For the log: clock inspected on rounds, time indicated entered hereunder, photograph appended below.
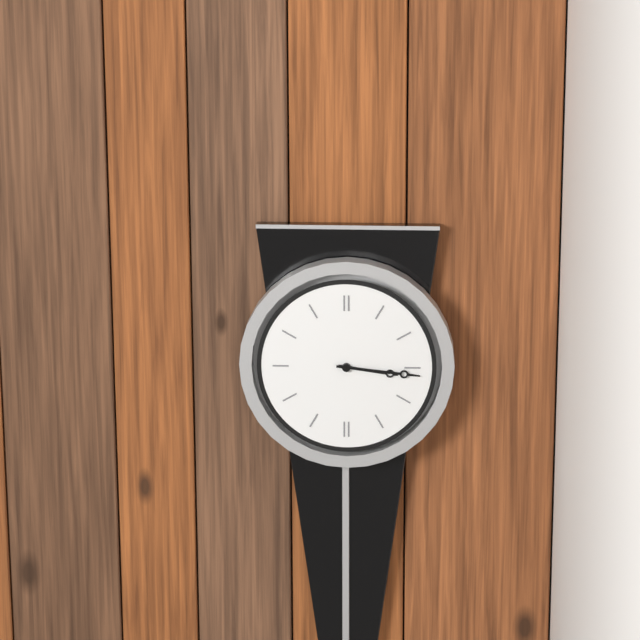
3:16
